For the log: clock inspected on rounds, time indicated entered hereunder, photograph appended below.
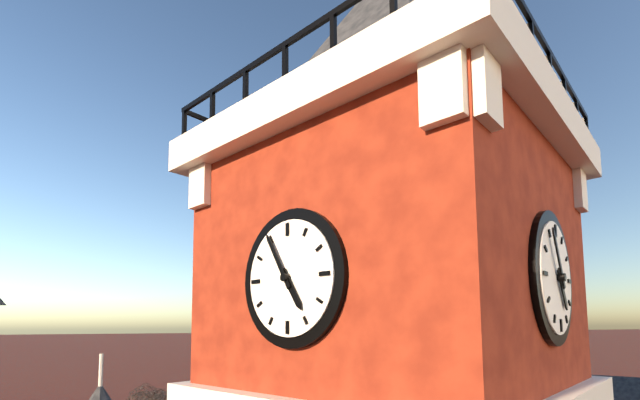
4:55
